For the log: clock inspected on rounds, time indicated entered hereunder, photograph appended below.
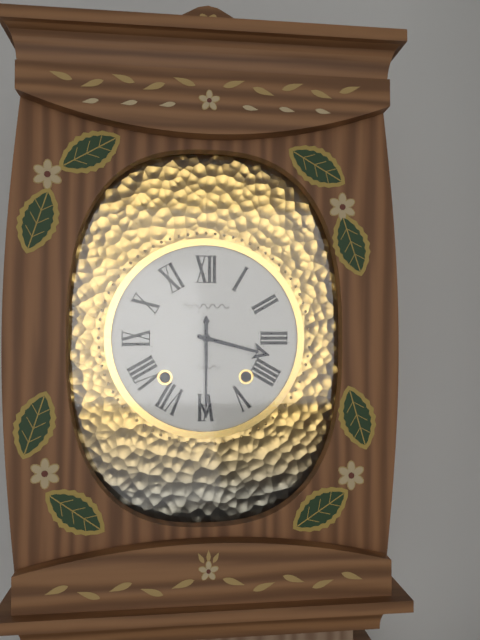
3:30
